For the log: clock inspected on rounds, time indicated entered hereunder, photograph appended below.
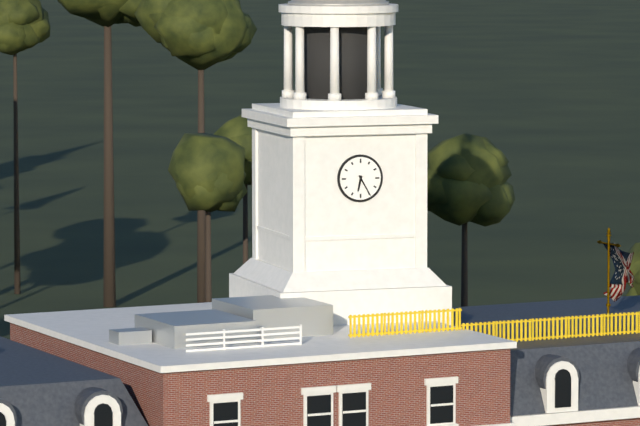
6:25
